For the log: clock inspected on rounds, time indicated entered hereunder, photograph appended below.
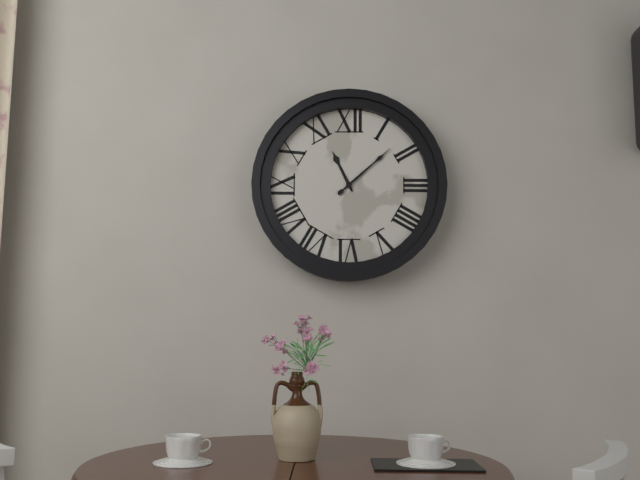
11:08
